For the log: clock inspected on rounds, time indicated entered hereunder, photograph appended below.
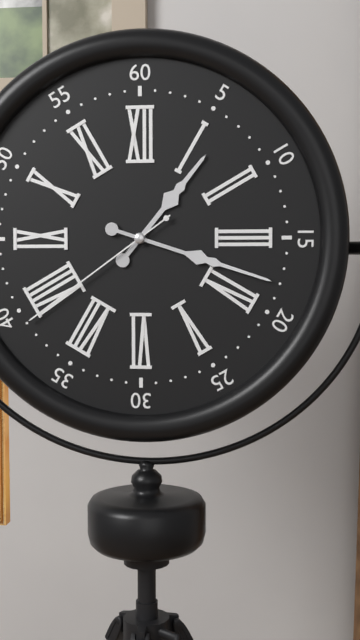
1:18:39
